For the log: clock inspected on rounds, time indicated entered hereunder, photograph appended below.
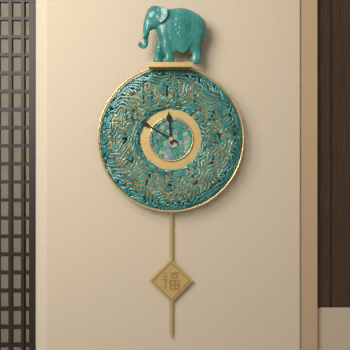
11:50
